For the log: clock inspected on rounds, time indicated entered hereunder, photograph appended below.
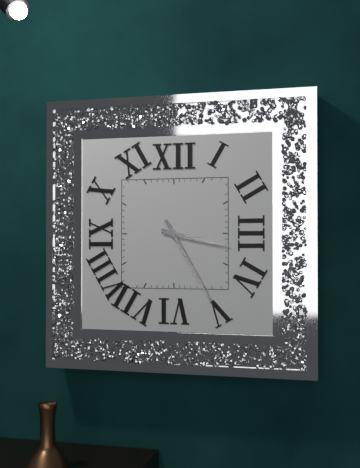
3:25
